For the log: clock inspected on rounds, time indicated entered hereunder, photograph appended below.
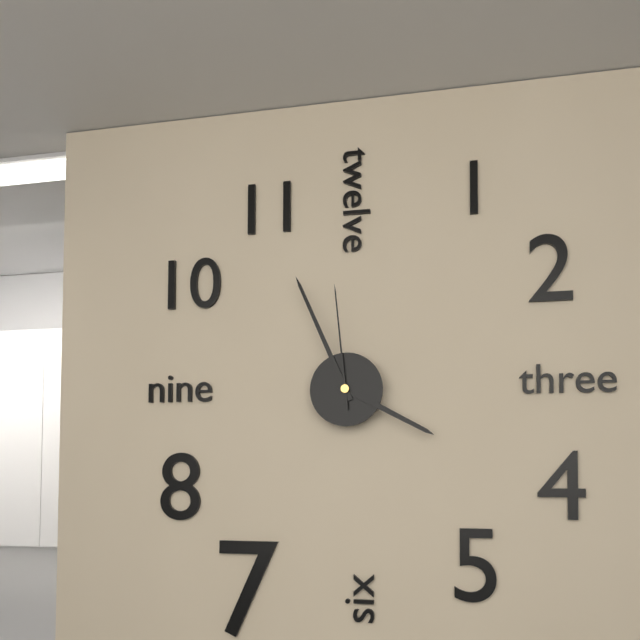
3:56:59
